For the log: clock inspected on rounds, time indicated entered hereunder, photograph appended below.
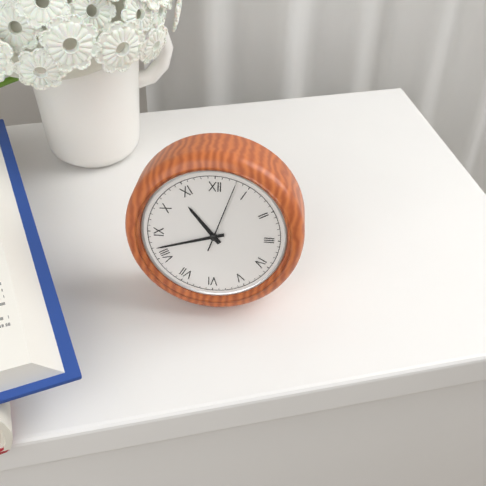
10:42:03
